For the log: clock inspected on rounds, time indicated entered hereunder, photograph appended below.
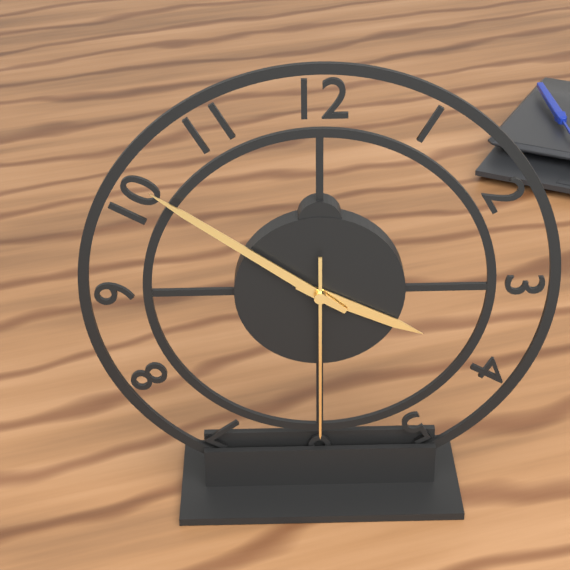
3:51:30
